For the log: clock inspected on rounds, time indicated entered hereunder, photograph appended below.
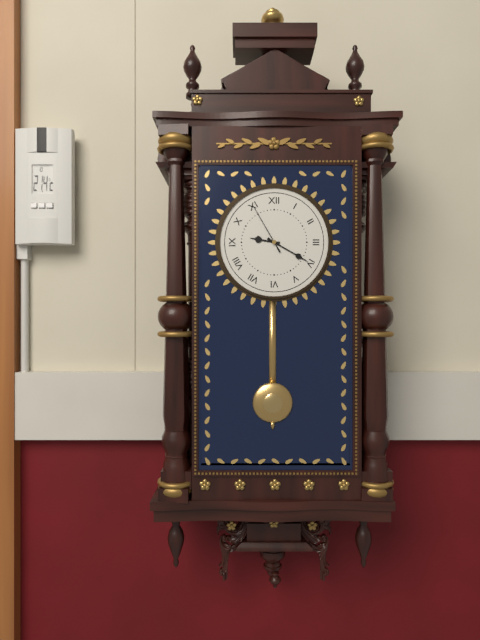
9:20:55
